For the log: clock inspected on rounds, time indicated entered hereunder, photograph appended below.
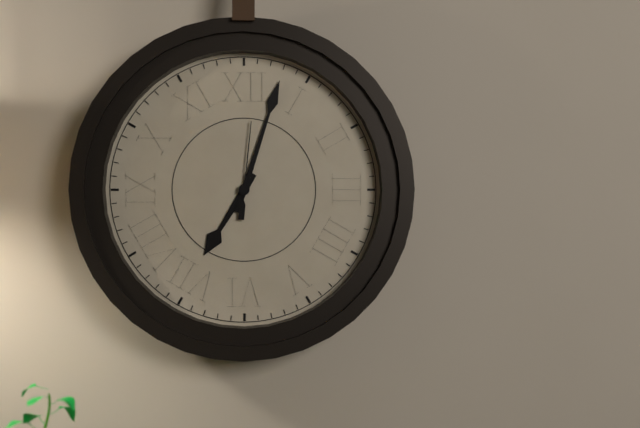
7:03:01
